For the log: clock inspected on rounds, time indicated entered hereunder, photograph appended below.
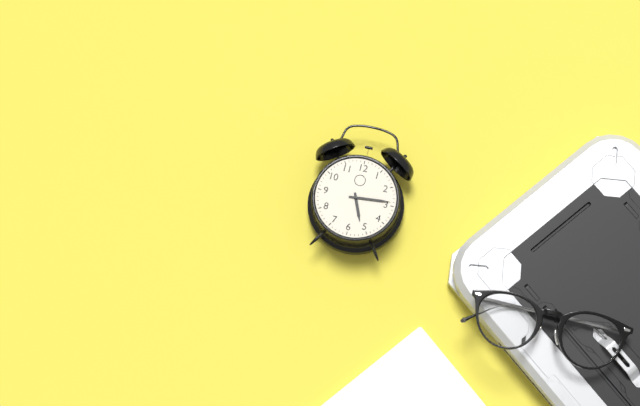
5:14
